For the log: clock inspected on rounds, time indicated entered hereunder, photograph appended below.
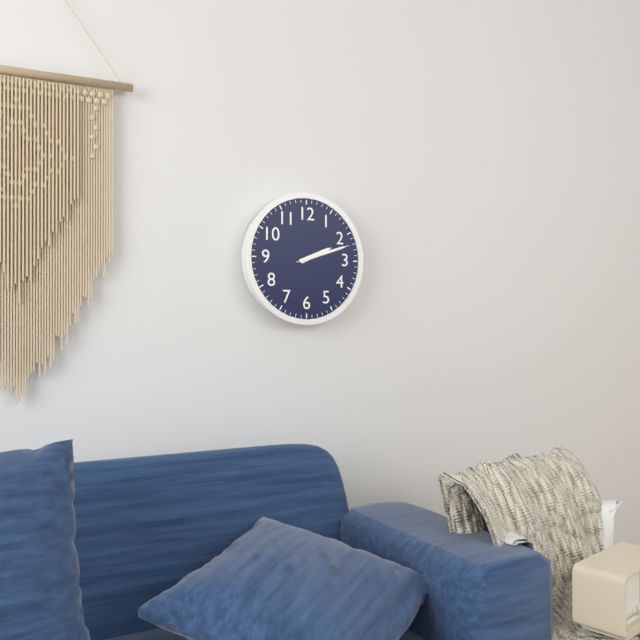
2:12:12
